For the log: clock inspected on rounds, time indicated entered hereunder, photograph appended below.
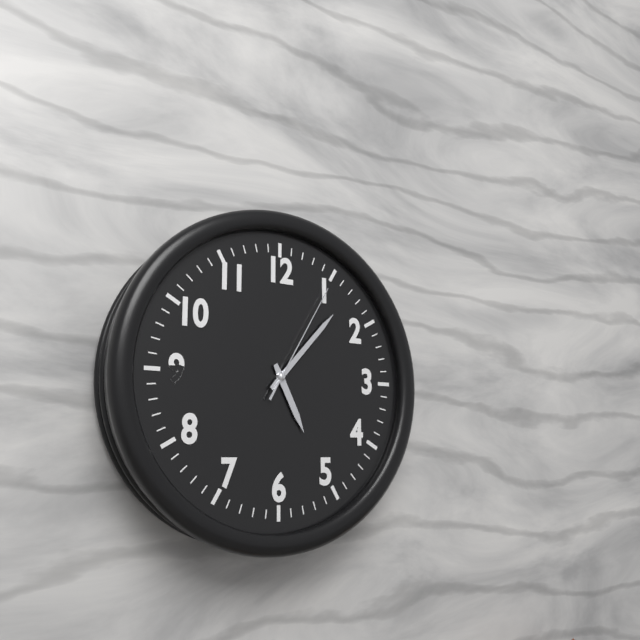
5:07:05
